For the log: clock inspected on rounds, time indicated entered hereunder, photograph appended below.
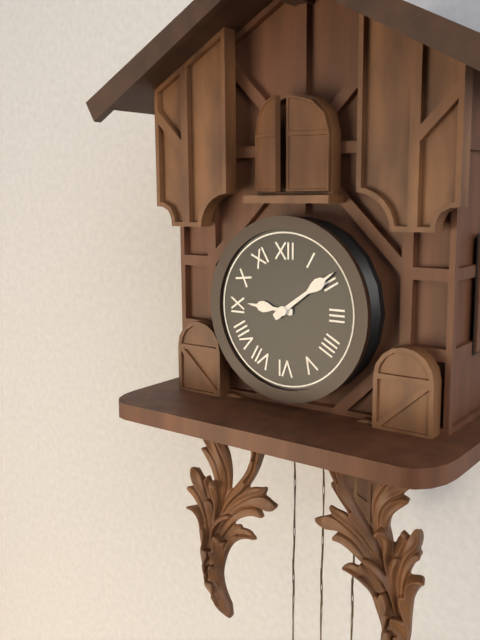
9:09
